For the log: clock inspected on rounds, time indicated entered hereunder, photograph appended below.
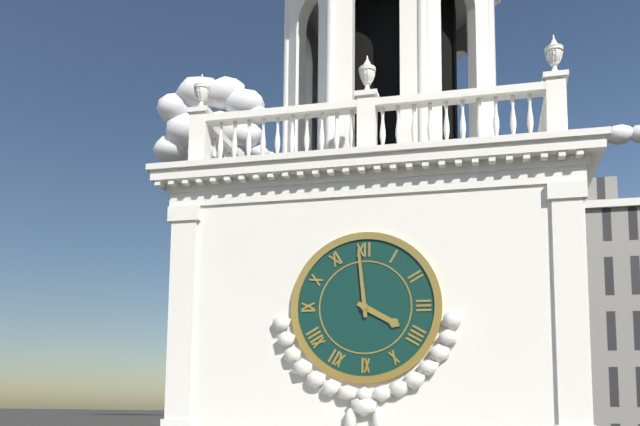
3:59
